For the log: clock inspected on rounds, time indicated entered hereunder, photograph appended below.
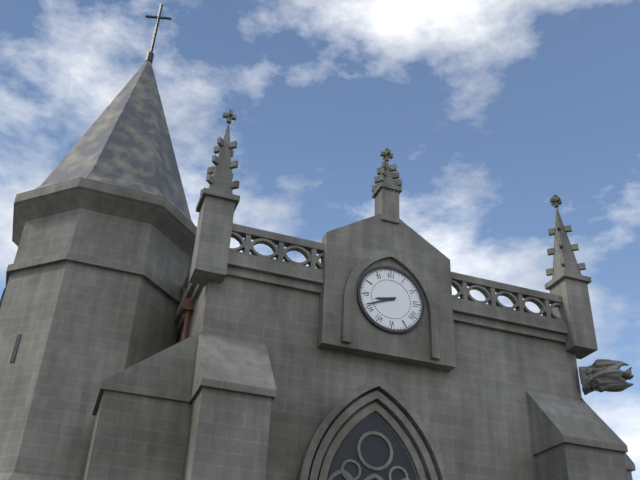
8:41
